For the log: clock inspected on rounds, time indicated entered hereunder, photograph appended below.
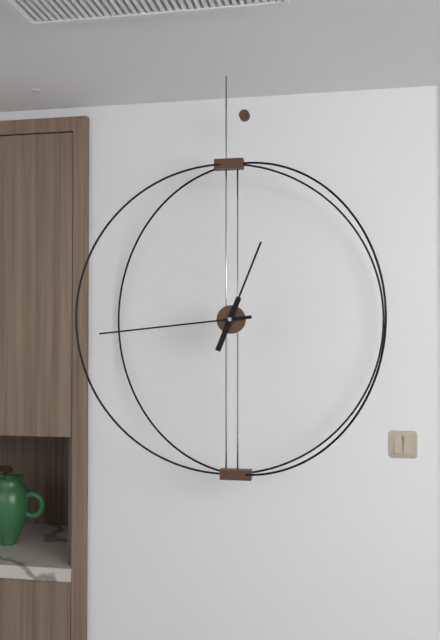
12:44
